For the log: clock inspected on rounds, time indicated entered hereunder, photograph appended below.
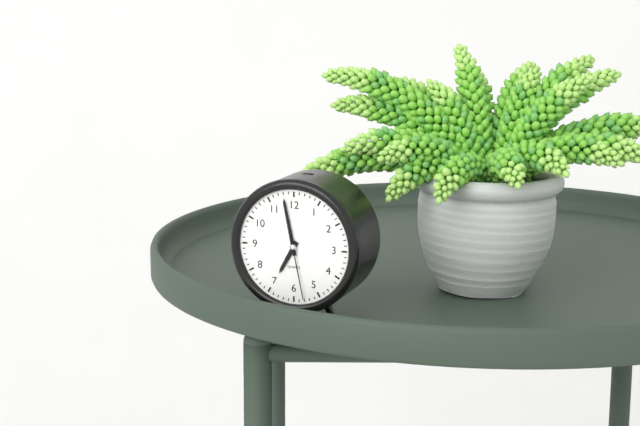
6:58:28
